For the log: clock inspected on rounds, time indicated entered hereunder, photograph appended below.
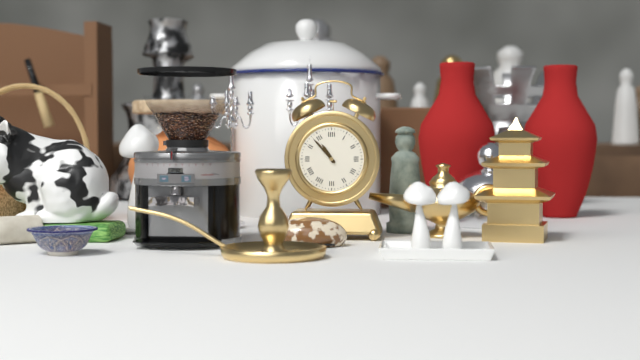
10:53
